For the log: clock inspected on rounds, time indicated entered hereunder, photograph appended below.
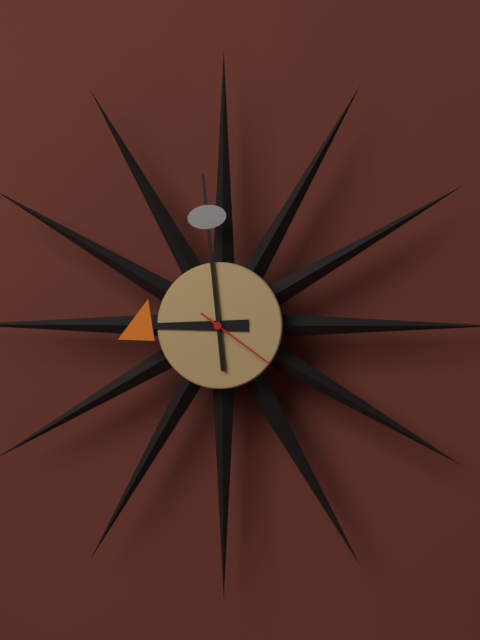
8:59:21
